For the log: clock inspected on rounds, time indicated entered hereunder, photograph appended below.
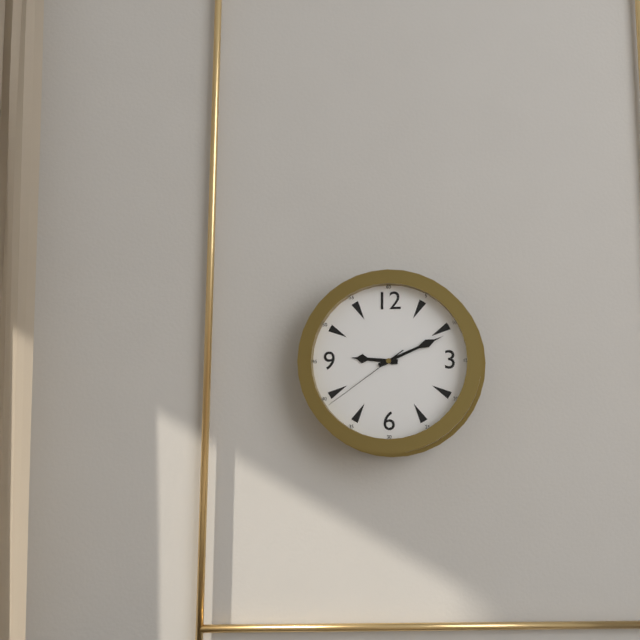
9:11:39
